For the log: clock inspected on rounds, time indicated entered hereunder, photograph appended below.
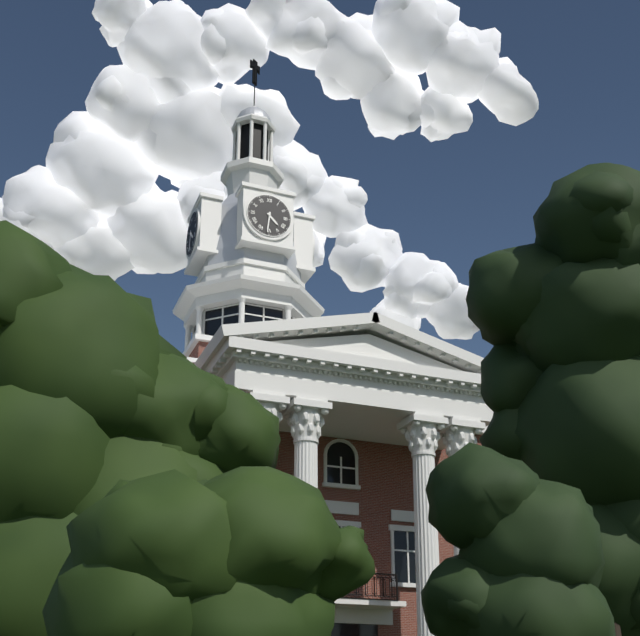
4:31
